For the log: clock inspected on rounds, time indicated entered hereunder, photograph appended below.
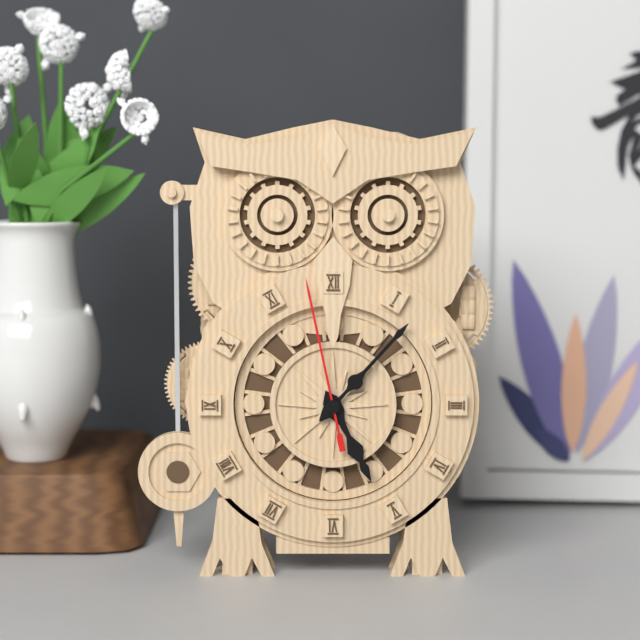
5:07:58
